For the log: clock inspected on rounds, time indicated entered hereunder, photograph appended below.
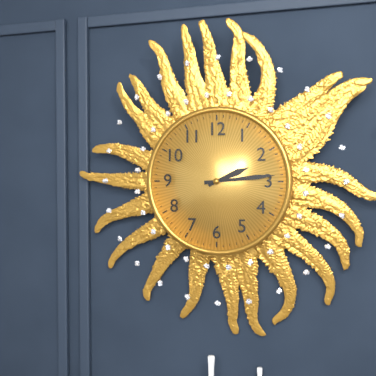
2:14
